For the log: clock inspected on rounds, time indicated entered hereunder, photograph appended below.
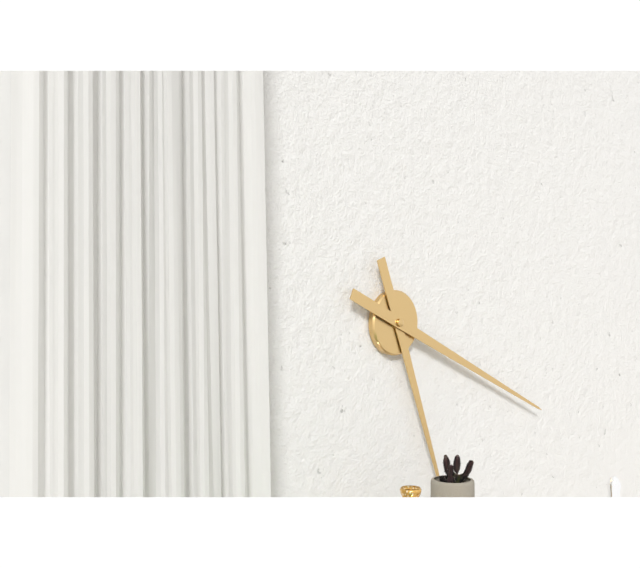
5:19
